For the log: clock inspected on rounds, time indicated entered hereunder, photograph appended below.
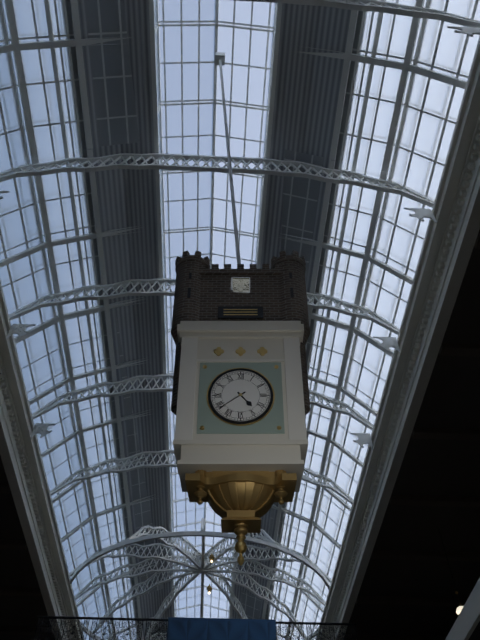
4:39
